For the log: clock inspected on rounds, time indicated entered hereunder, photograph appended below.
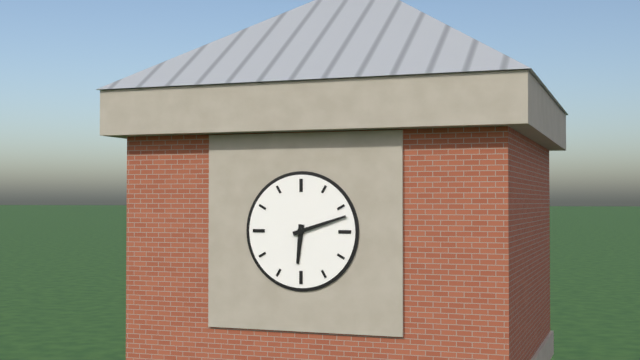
6:12
